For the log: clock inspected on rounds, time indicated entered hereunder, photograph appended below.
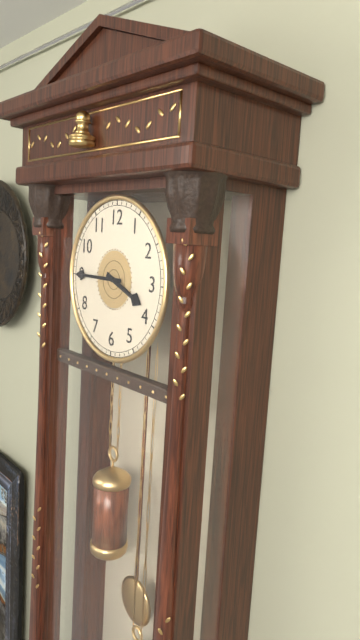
3:45
